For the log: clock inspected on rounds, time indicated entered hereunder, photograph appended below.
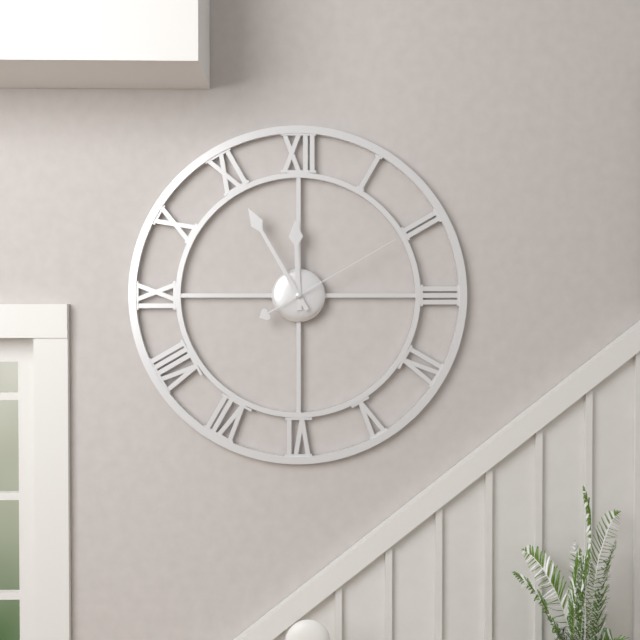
11:55:10
